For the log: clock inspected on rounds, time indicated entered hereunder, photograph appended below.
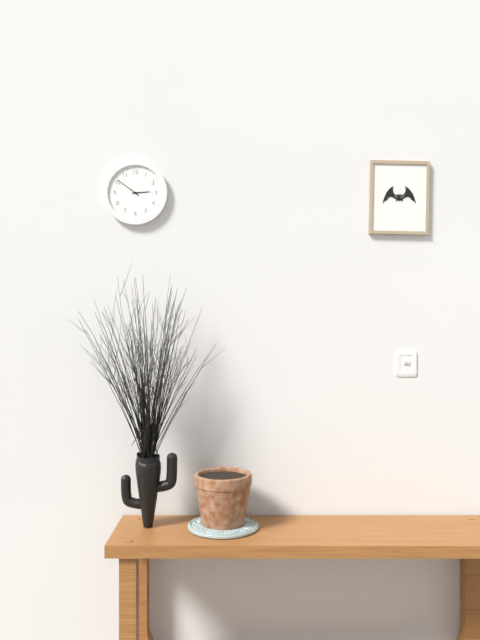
2:51
